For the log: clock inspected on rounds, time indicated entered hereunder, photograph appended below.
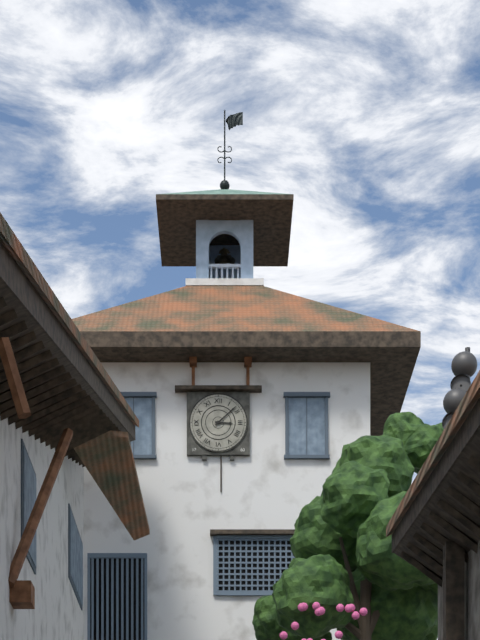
3:08
